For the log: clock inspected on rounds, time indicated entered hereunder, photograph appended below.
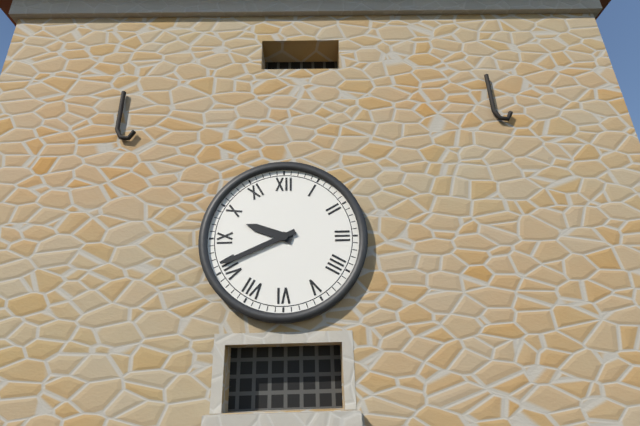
9:41
